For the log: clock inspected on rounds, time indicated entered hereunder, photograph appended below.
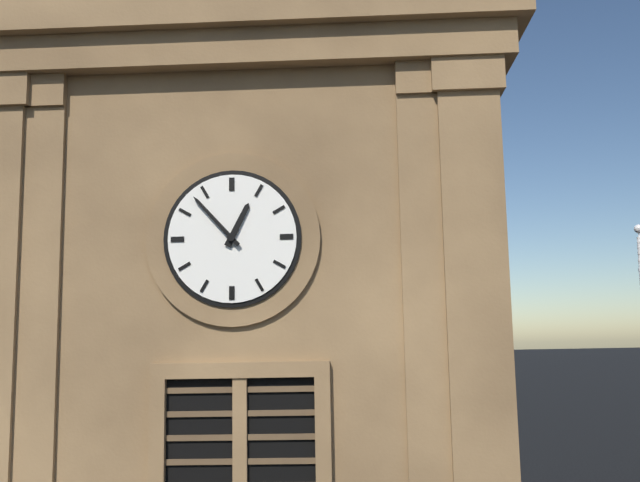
12:53
